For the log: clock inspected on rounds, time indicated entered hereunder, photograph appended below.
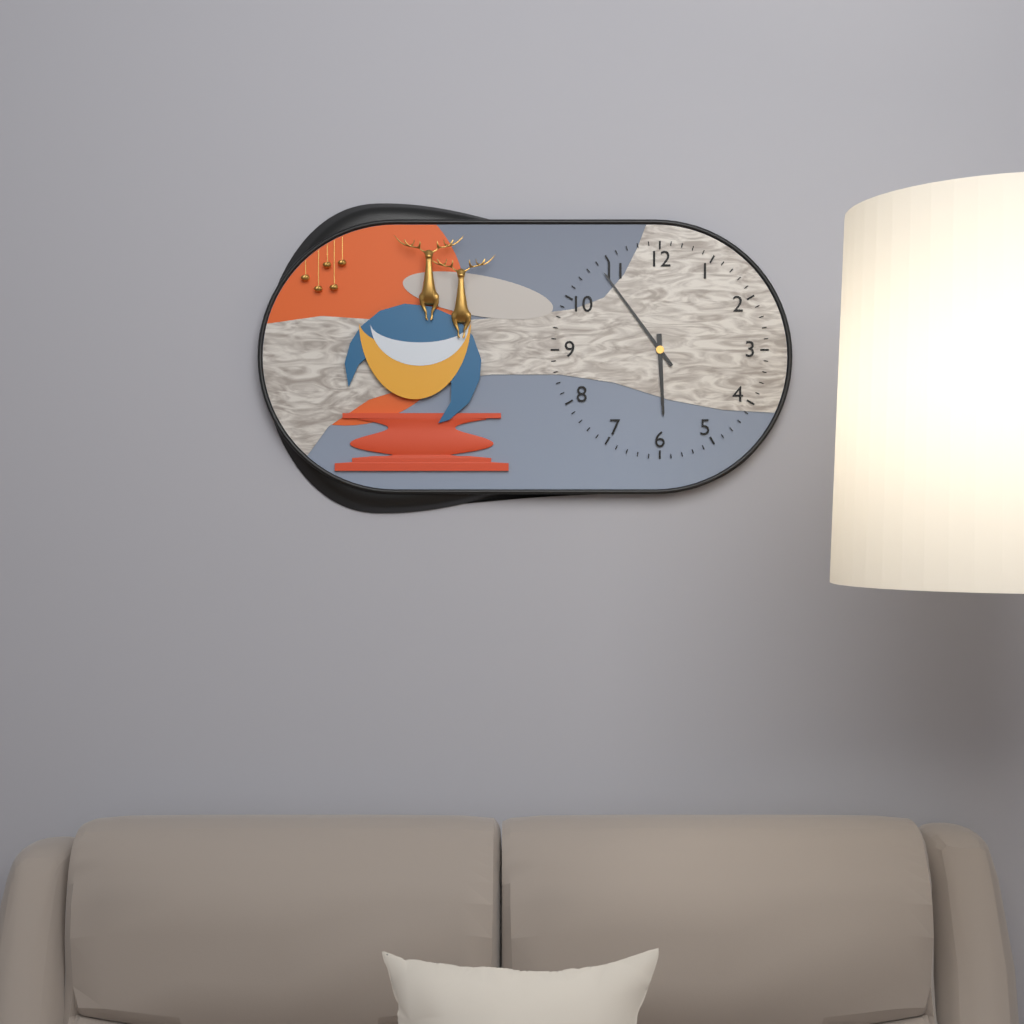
5:54
